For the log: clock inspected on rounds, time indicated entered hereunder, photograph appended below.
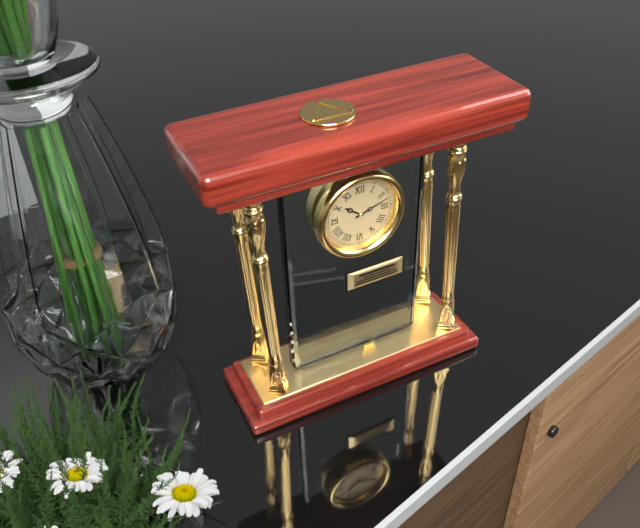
10:12
